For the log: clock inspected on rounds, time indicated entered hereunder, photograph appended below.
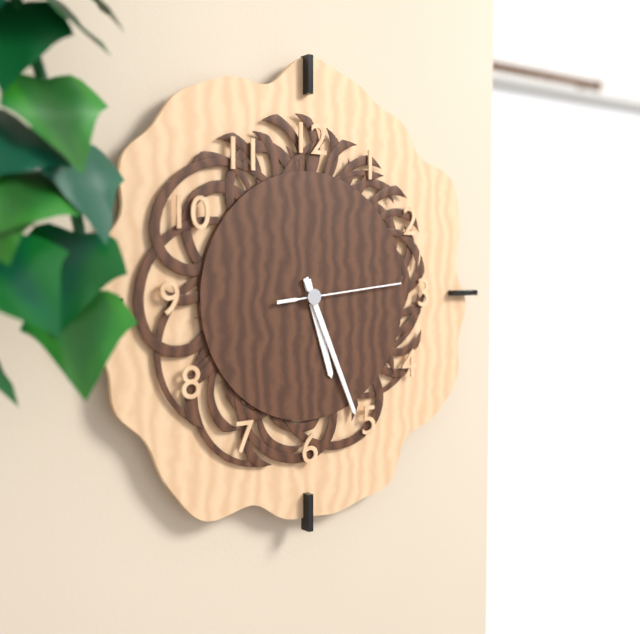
5:26:14
